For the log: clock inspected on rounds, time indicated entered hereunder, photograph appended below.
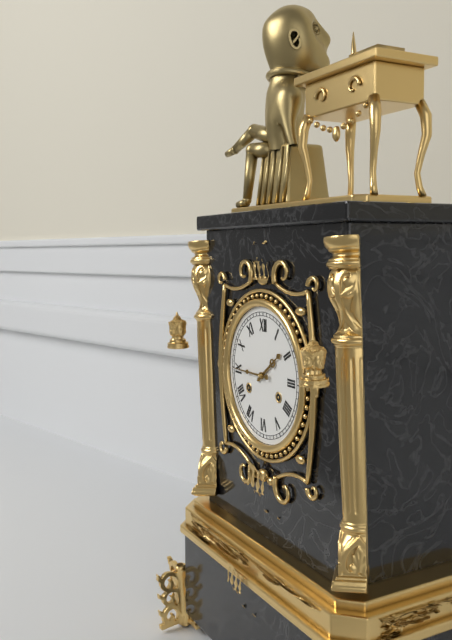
1:45
